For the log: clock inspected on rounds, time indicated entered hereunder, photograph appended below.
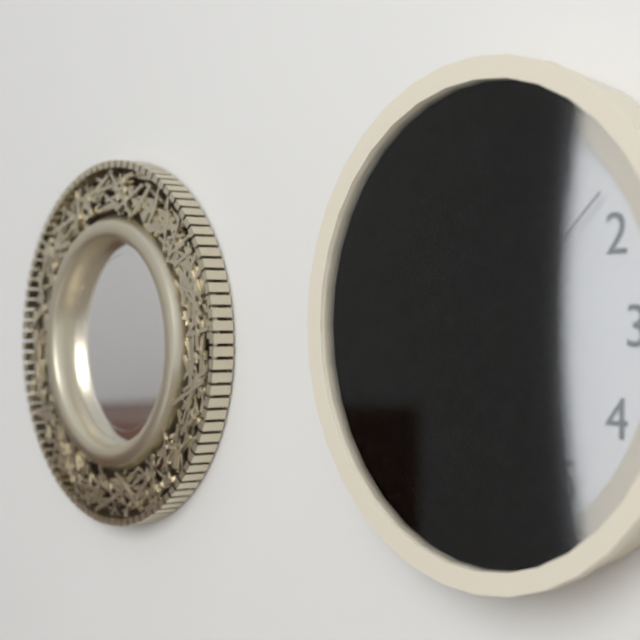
6:35:08
